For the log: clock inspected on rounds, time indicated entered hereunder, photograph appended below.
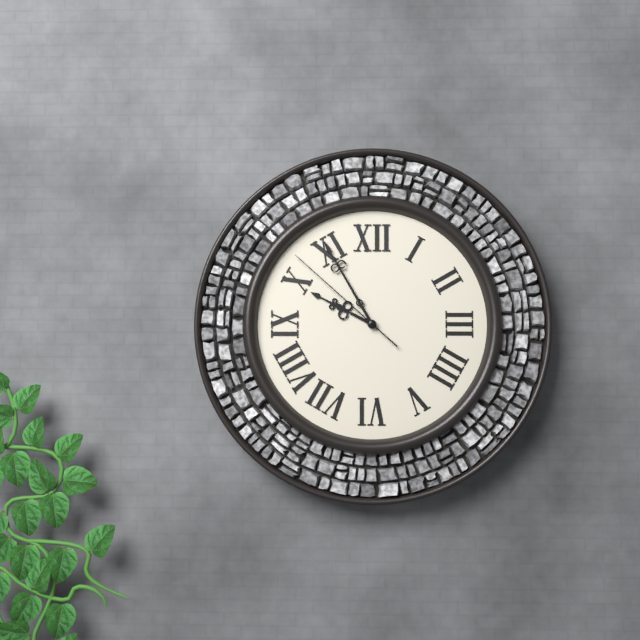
9:55:52
